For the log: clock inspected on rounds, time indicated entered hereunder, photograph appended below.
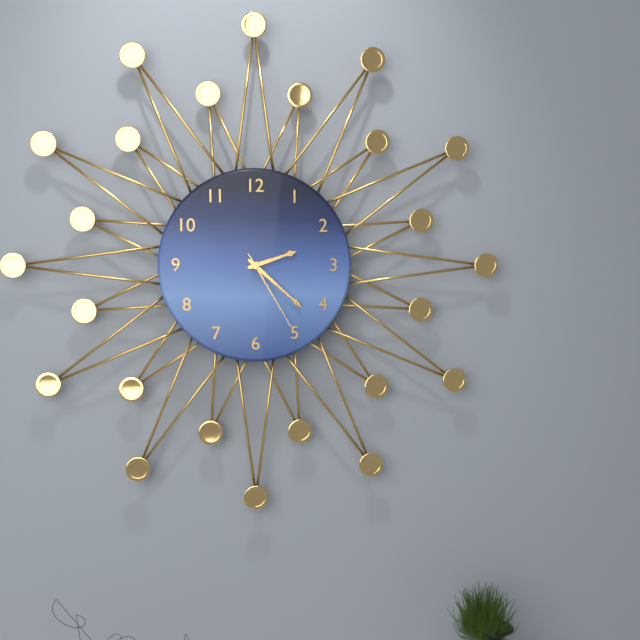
2:22:25
